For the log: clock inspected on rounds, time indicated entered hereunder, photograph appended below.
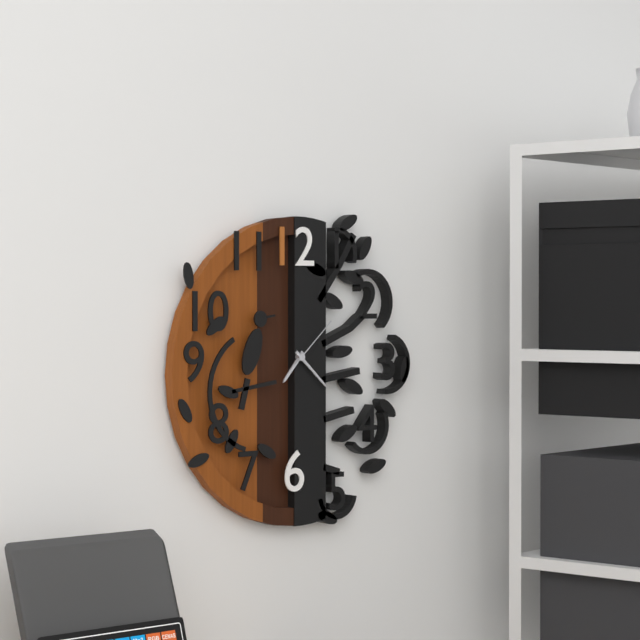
7:22:08
